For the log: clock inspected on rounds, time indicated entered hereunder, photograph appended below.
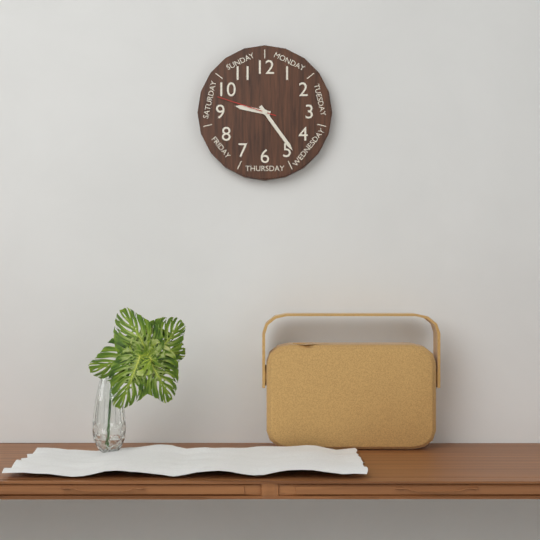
9:24:48
